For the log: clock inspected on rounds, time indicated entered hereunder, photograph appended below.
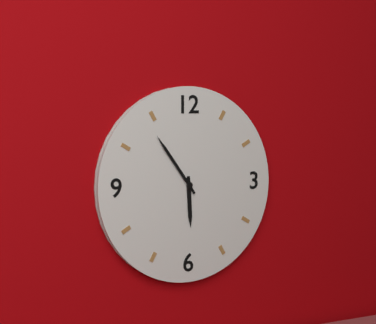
5:54
